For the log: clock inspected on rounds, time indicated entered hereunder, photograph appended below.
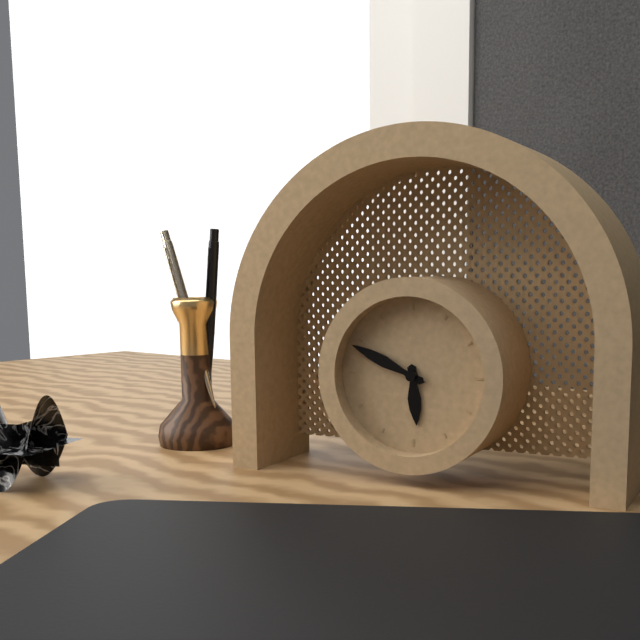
5:49
